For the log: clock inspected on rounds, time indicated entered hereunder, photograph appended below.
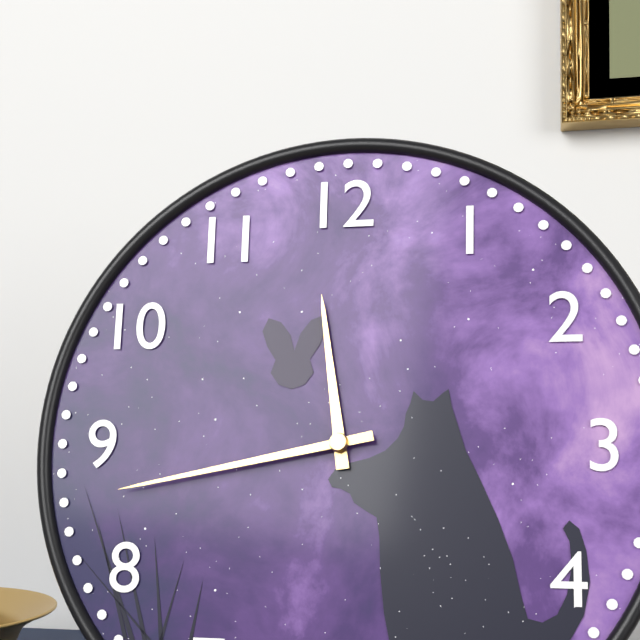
11:43
